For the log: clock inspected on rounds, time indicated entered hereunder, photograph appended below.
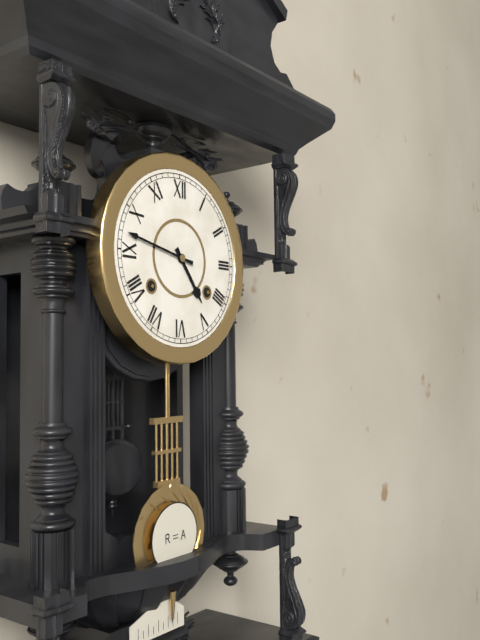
4:47
